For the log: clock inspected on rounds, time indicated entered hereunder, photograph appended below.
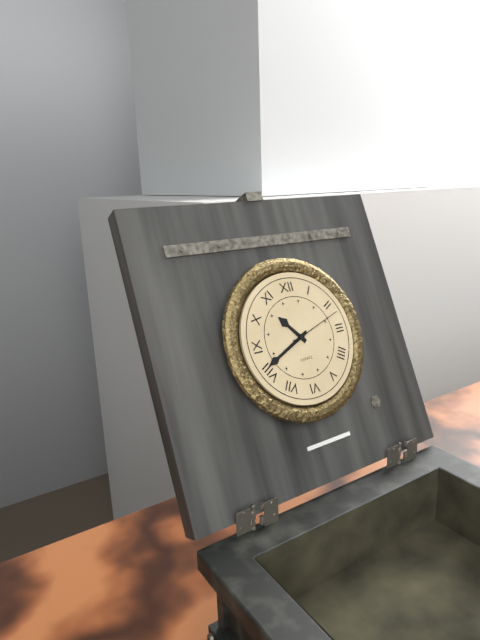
10:41:12
